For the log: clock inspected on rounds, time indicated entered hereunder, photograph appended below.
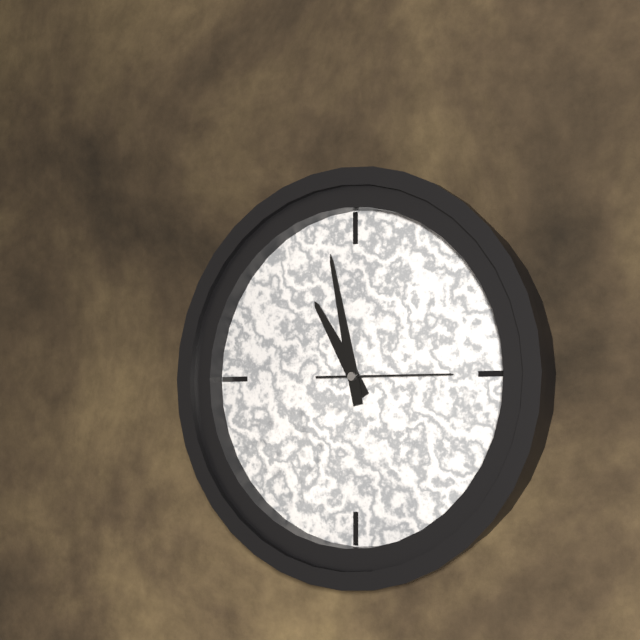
10:58:15
